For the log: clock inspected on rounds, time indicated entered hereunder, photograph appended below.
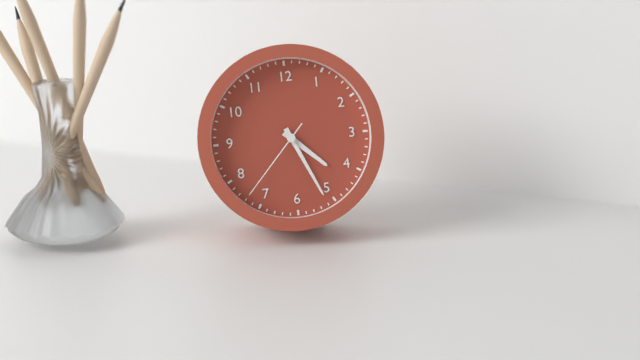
4:26:37
